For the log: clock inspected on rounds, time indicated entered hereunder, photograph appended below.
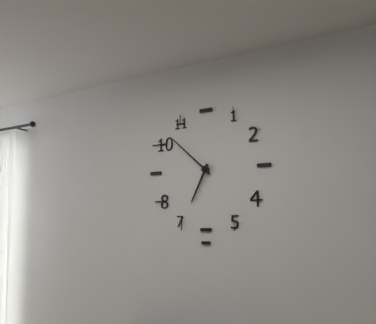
6:52
